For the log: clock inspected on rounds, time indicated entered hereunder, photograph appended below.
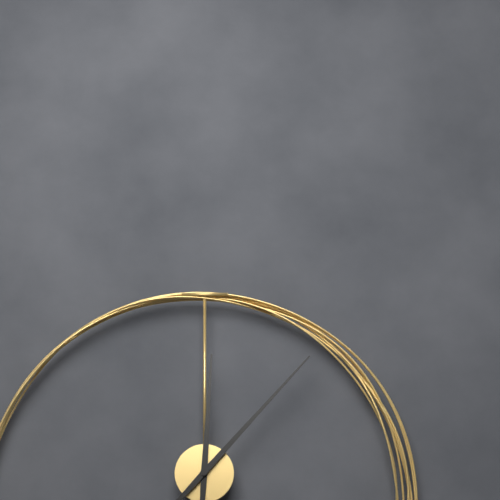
12:07
